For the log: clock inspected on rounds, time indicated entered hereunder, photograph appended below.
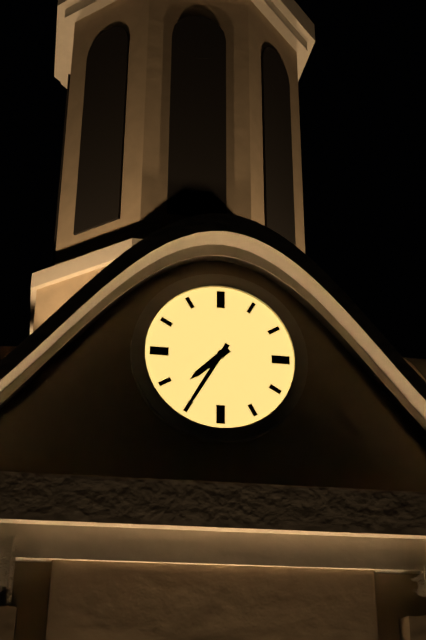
7:35
